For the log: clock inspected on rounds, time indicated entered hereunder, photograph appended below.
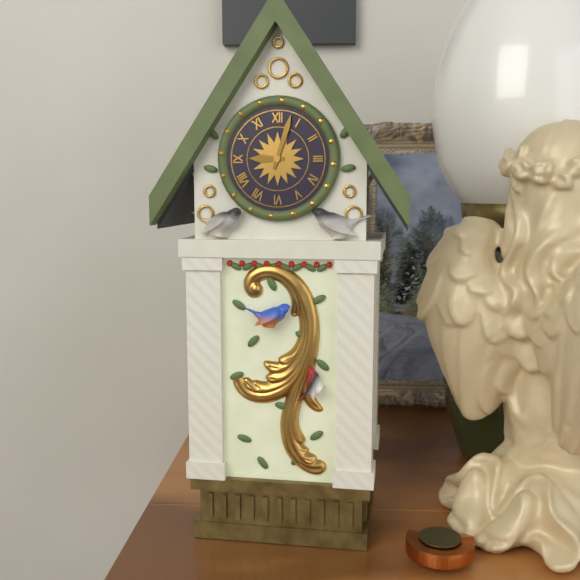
9:03
